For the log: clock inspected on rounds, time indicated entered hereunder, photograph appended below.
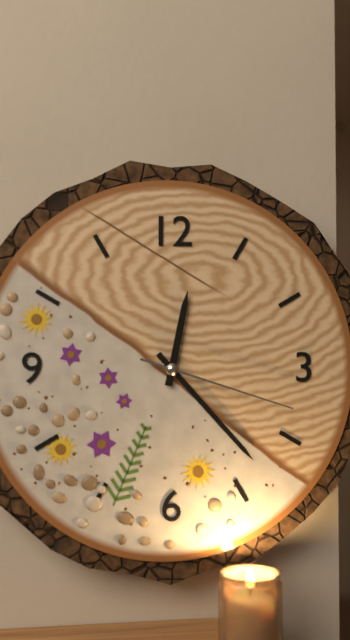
12:23:18
